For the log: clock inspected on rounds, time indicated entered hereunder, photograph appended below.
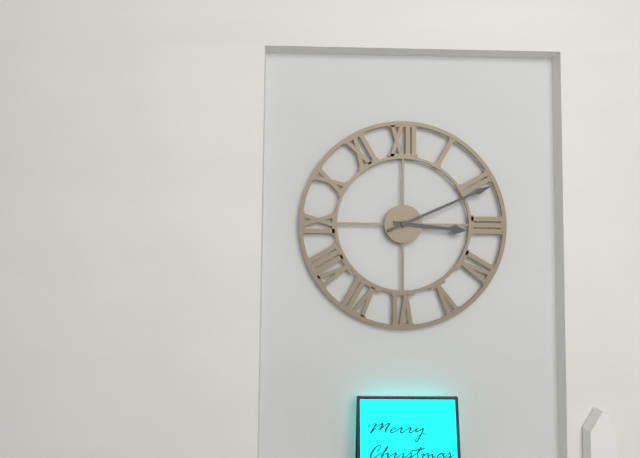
3:11
